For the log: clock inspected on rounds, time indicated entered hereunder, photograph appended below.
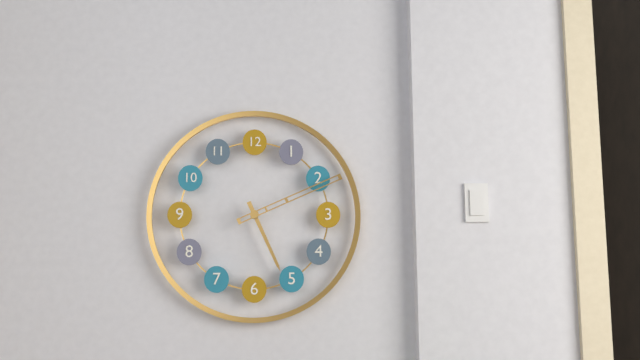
5:11
